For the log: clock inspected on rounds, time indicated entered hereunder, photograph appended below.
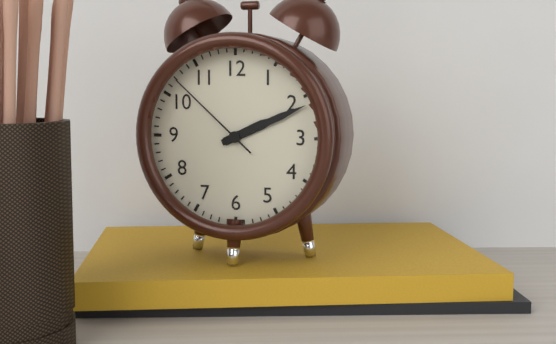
2:11:52
